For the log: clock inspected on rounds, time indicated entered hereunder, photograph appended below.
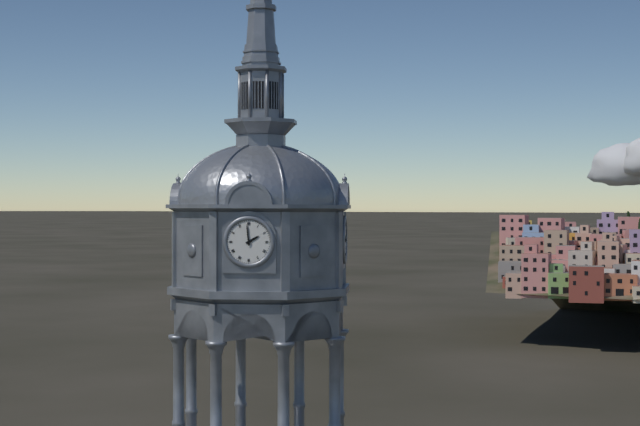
1:59
